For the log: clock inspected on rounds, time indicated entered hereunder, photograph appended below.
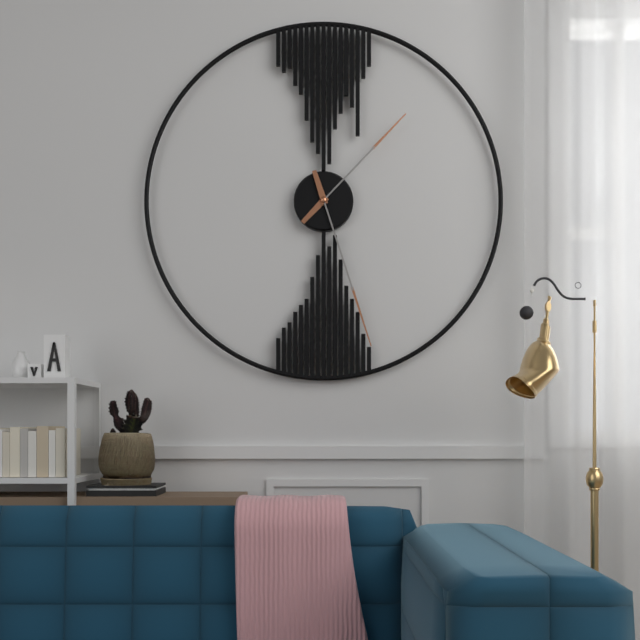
1:27
